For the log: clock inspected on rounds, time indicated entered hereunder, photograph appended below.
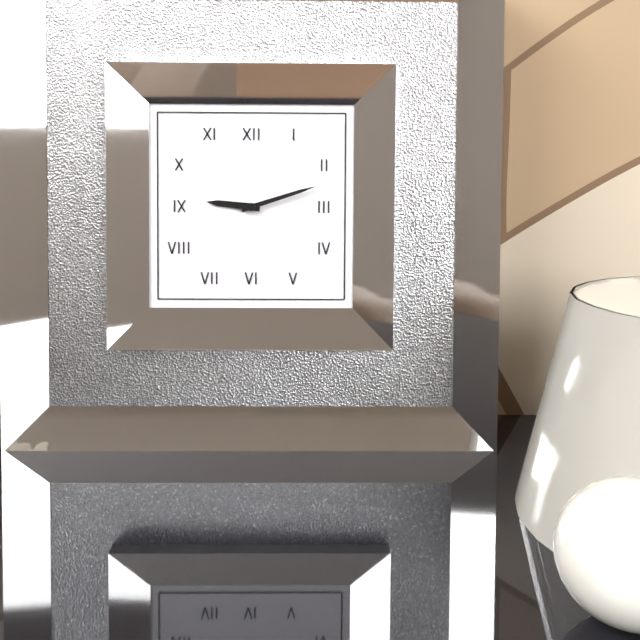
9:12
